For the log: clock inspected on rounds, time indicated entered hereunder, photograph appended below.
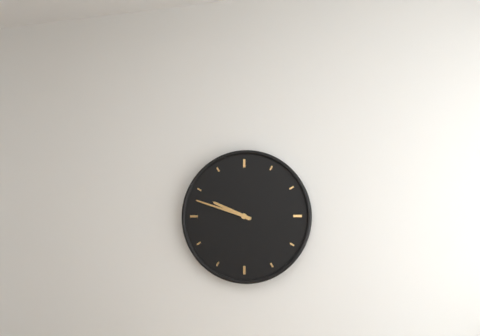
9:48
